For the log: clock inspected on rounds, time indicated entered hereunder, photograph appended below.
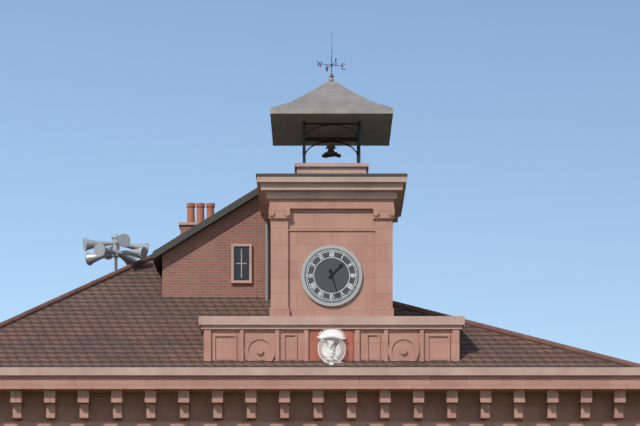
1:27
